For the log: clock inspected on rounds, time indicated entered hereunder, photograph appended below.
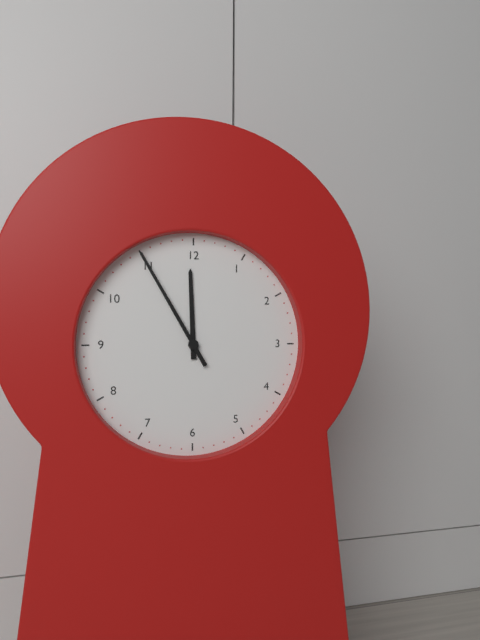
11:55
